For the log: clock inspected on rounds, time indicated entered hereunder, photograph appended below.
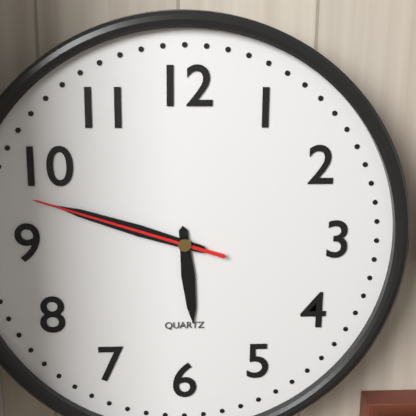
5:48:48
